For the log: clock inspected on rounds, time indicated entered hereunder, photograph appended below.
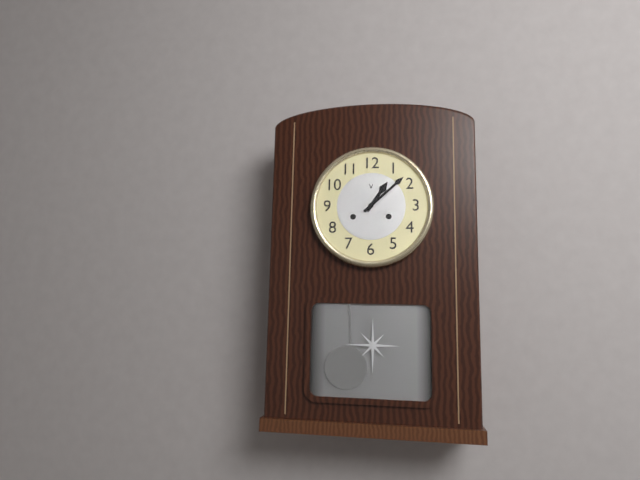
1:08
